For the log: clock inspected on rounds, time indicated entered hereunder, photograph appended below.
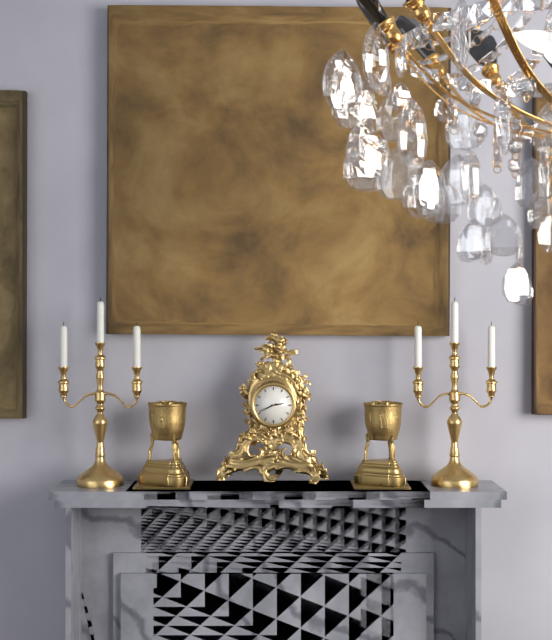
2:41
